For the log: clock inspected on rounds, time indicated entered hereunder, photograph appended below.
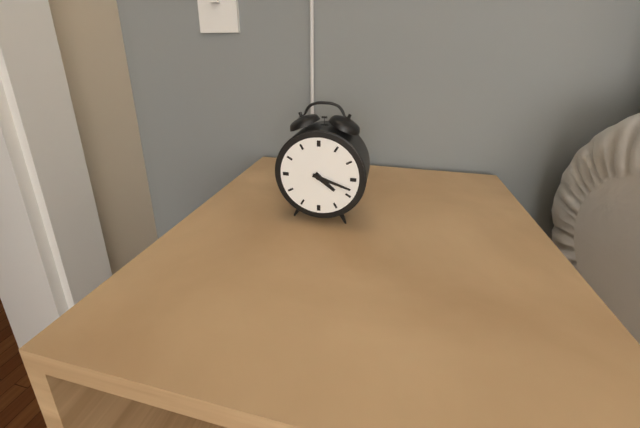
4:18
